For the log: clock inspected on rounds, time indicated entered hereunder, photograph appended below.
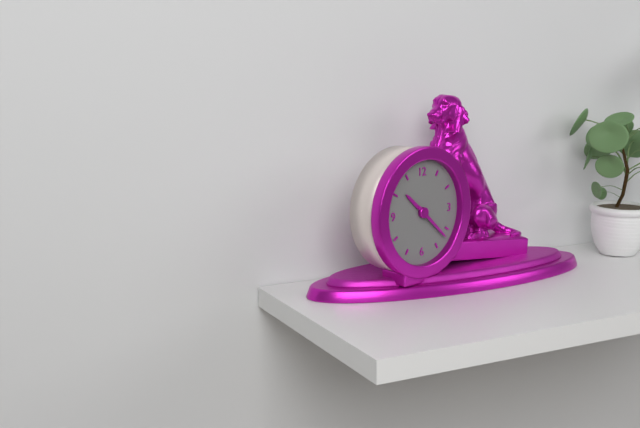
10:22
